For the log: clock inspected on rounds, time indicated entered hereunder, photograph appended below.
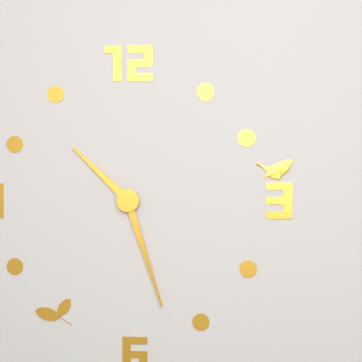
10:27
